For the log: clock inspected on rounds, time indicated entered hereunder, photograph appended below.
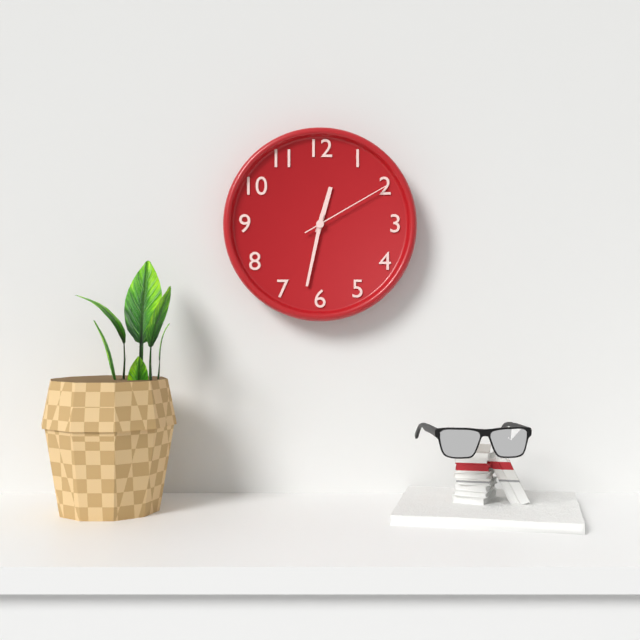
12:32:10
